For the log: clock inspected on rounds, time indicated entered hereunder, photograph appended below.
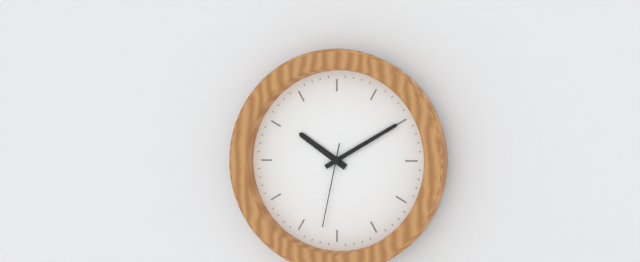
10:10:32
